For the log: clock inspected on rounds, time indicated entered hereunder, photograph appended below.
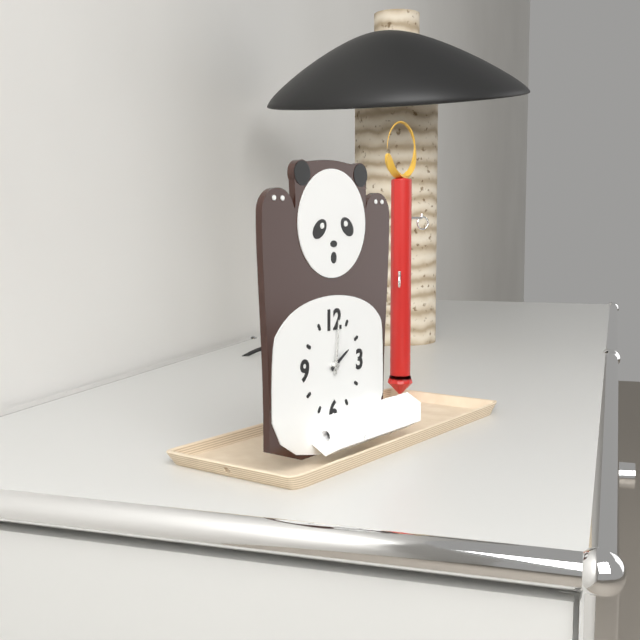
2:01
